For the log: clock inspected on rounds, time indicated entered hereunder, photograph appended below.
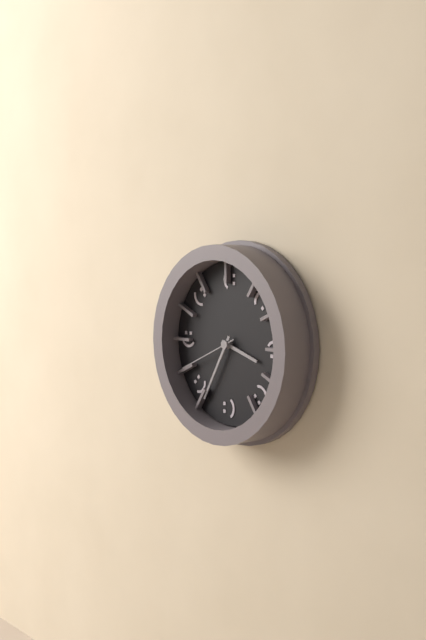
3:35:41
